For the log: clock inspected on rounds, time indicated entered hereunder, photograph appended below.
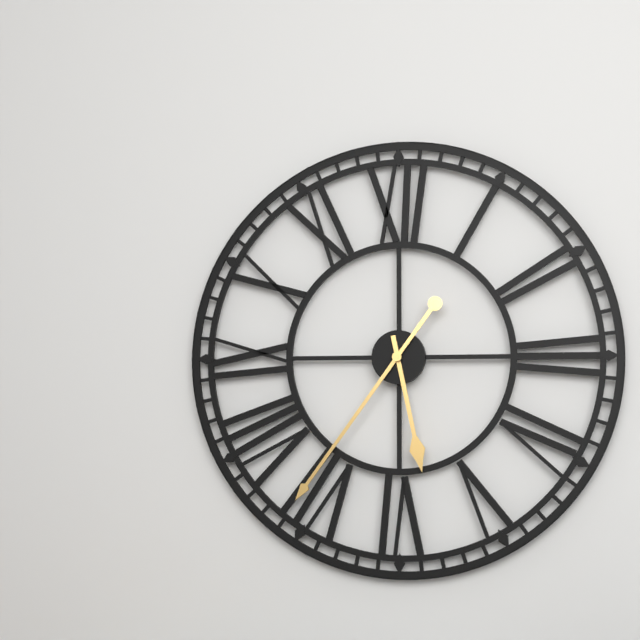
5:36
